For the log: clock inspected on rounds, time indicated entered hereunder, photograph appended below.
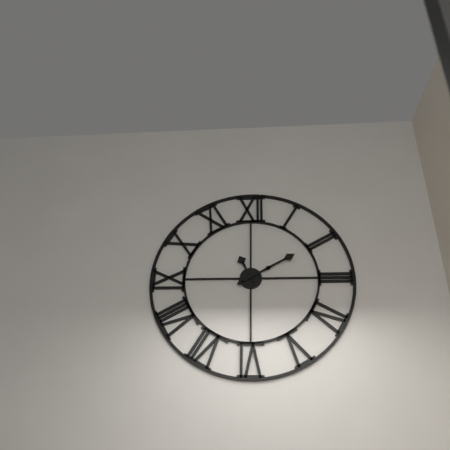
11:10
